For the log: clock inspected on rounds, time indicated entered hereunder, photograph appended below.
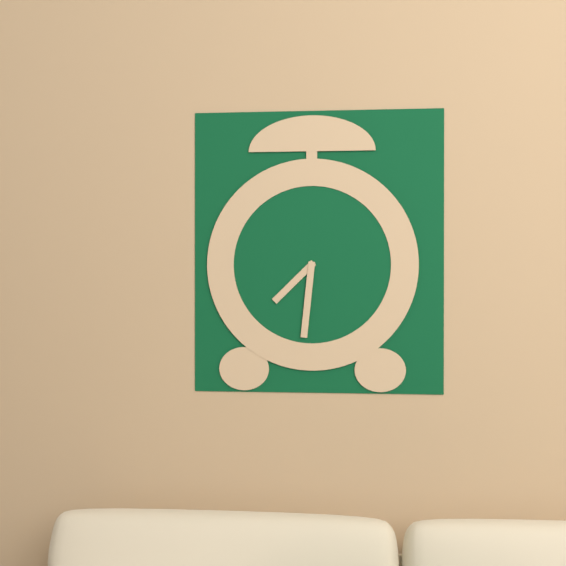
7:31
